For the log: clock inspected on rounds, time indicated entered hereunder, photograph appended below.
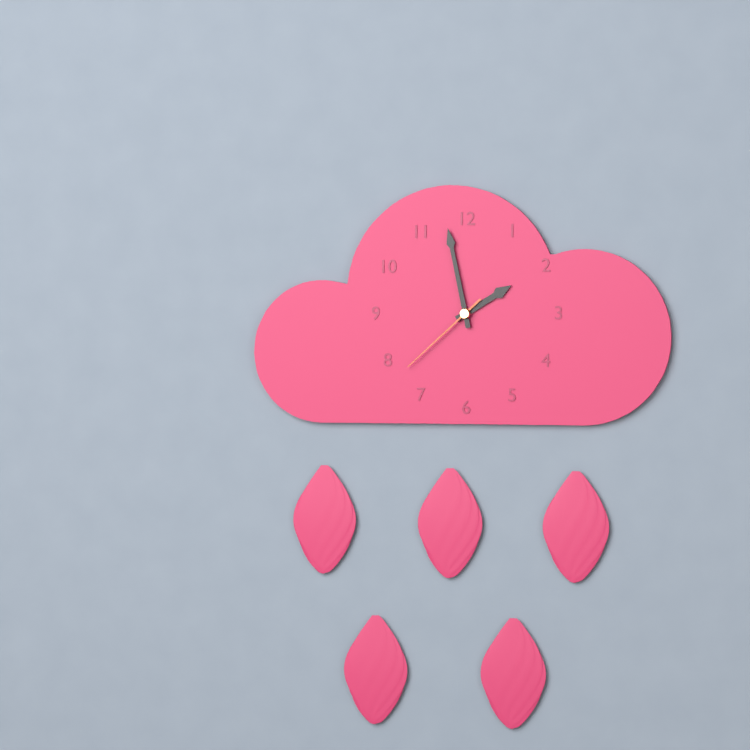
1:58:38
